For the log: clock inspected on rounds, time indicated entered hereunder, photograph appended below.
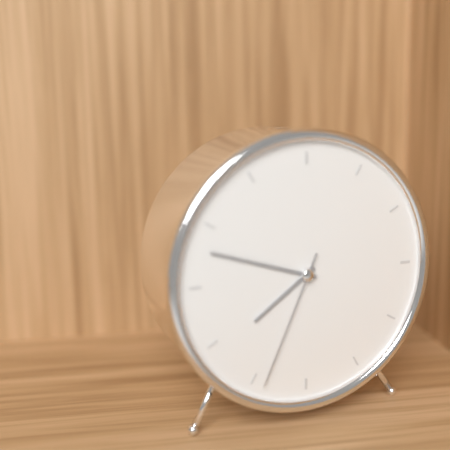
7:48:34
